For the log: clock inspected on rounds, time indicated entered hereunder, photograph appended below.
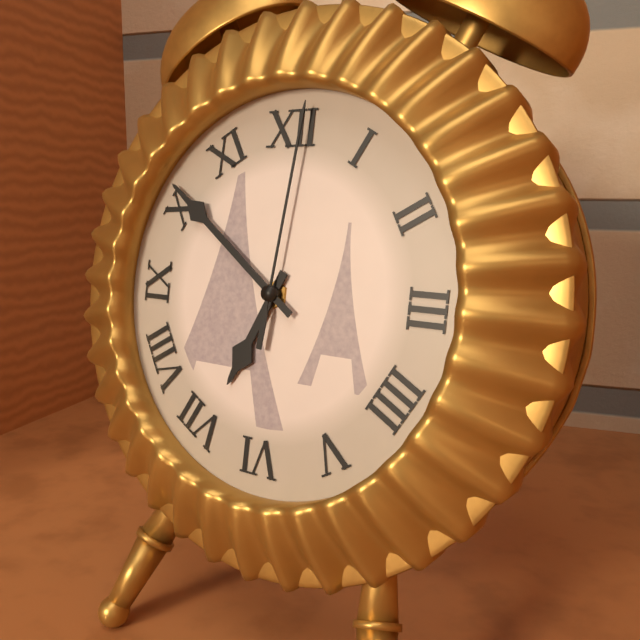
6:51:01
